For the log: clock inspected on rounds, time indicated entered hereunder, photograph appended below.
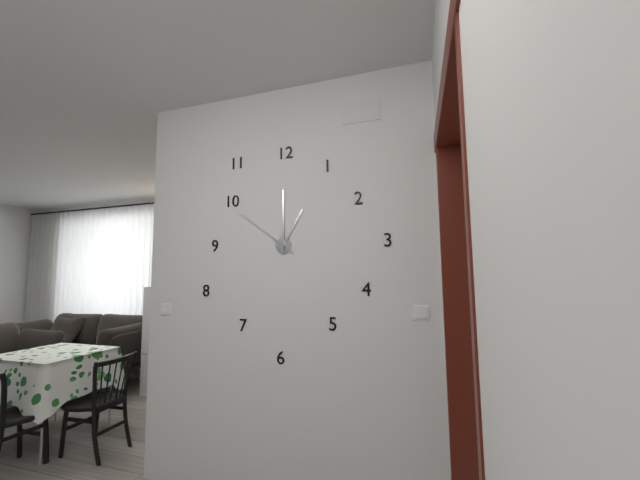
1:00:51
